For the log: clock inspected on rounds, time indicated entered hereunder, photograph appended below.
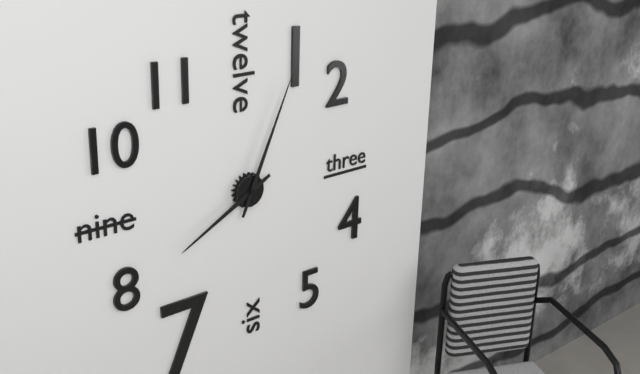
8:04
